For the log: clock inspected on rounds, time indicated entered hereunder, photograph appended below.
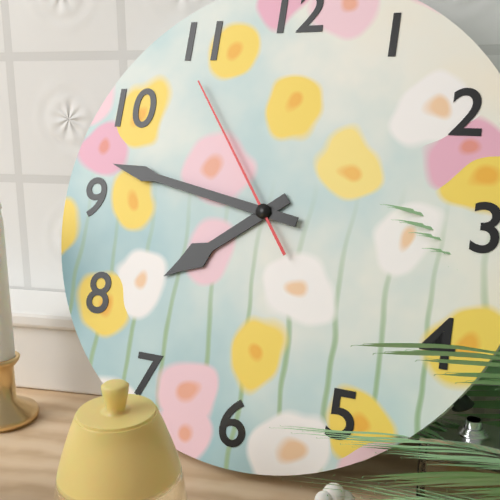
7:47:54
